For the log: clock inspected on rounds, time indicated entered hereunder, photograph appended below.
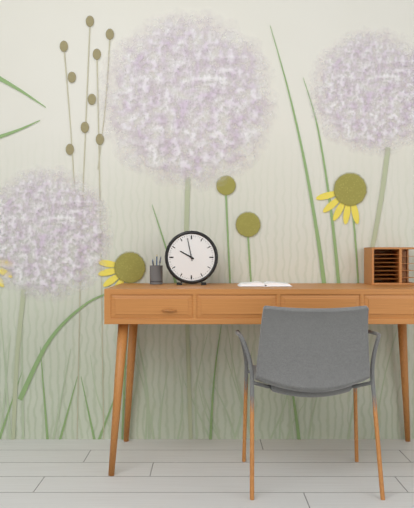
9:58
